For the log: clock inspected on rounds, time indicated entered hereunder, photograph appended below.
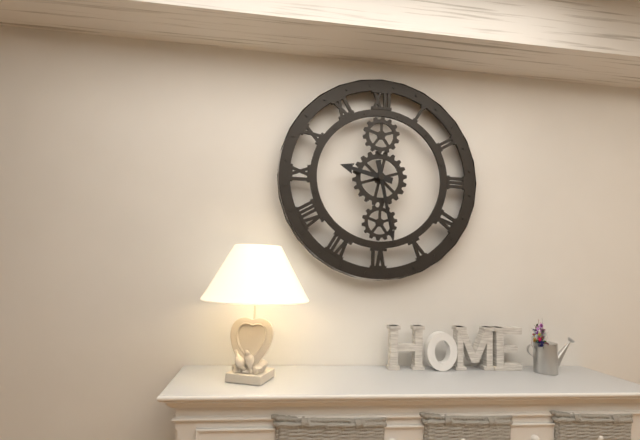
9:28
